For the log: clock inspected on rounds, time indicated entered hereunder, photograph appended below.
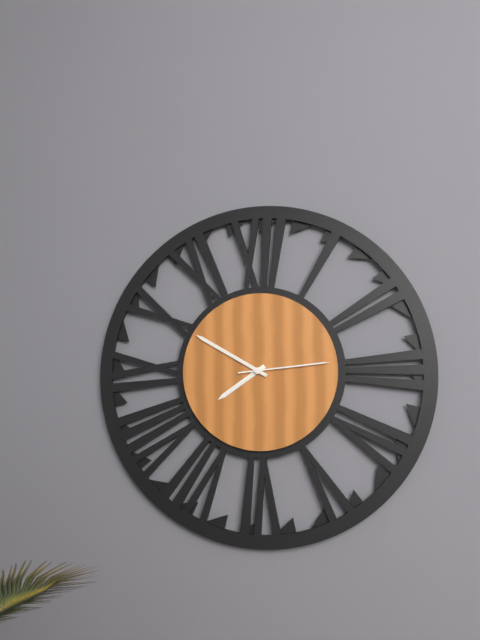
7:50:14
